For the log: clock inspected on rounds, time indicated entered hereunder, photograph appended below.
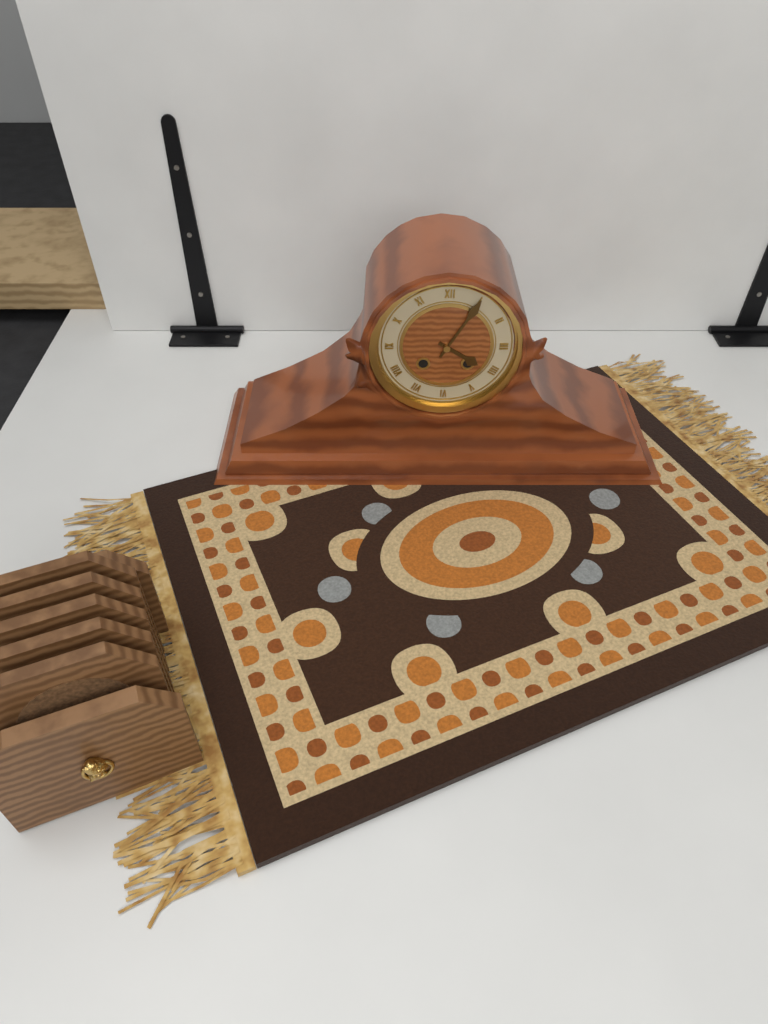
4:05
